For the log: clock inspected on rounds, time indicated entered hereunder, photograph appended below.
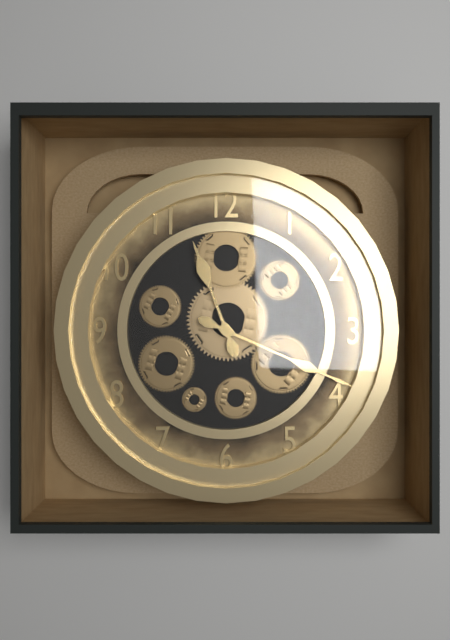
11:19
